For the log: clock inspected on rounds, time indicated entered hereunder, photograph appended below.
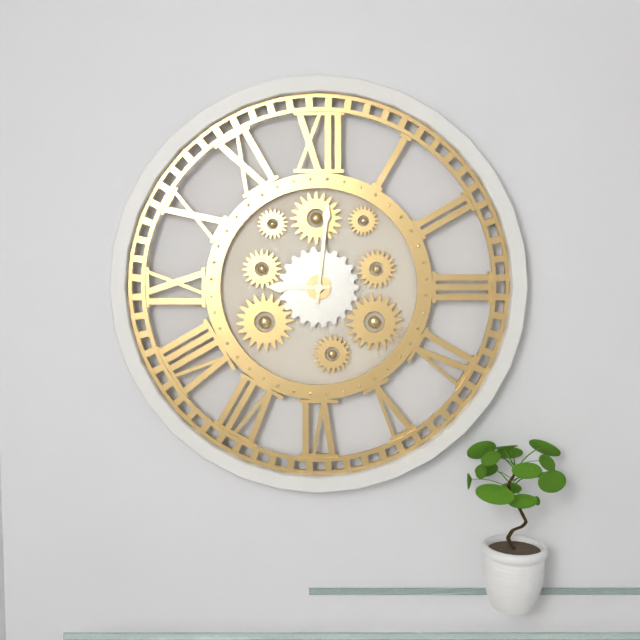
9:01
